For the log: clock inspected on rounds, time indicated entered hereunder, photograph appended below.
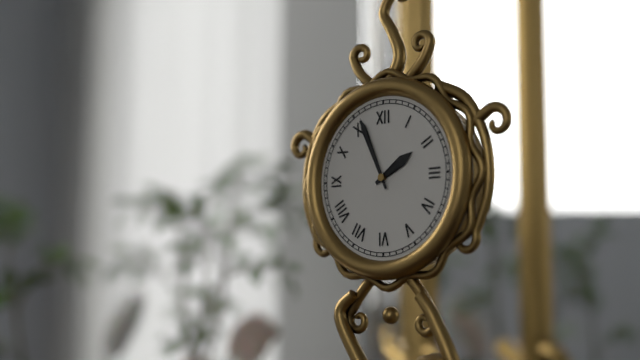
1:56
